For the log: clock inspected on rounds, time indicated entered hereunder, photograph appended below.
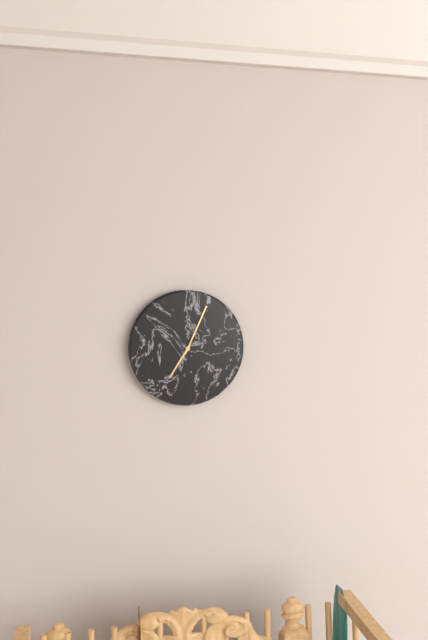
7:04
